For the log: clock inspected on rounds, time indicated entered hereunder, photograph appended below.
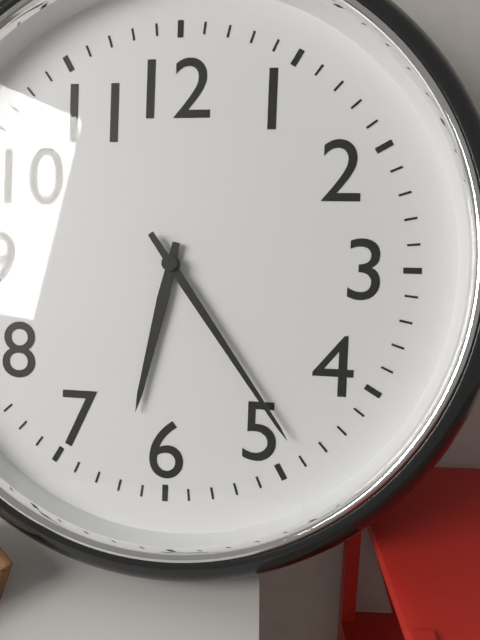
6:24
